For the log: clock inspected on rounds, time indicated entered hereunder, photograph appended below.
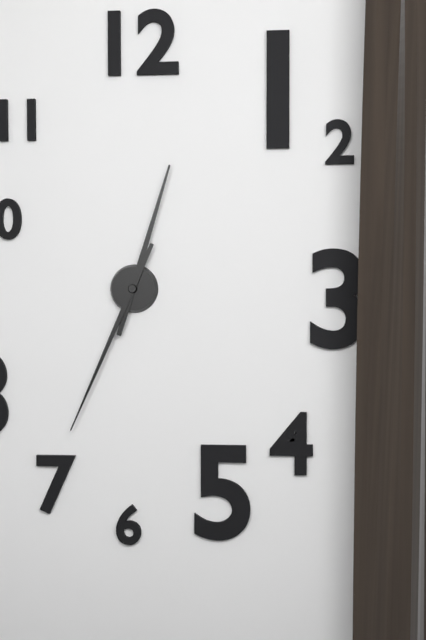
12:34
